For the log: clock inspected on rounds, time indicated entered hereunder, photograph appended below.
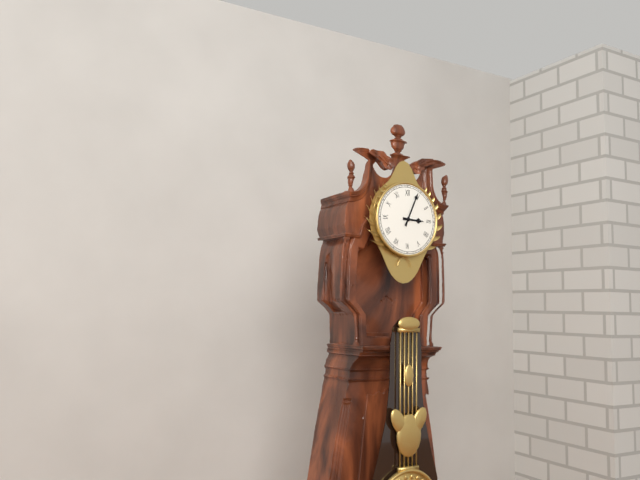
3:04
